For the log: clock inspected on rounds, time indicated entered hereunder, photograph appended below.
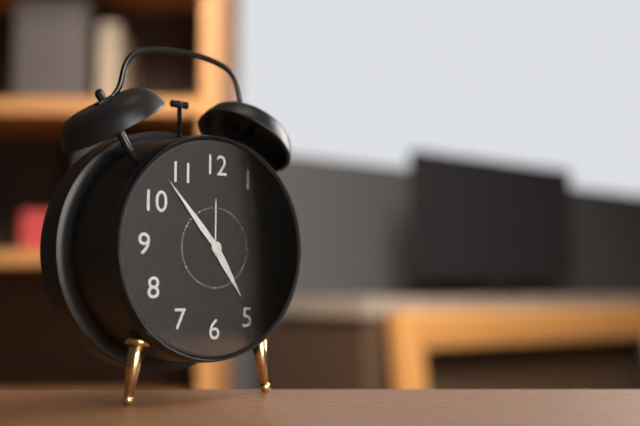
4:53
